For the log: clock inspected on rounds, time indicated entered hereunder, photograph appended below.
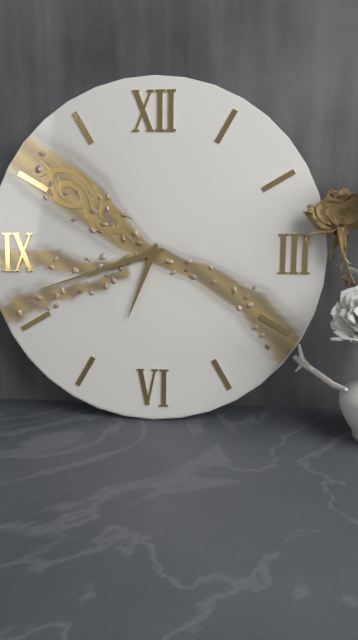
6:42
